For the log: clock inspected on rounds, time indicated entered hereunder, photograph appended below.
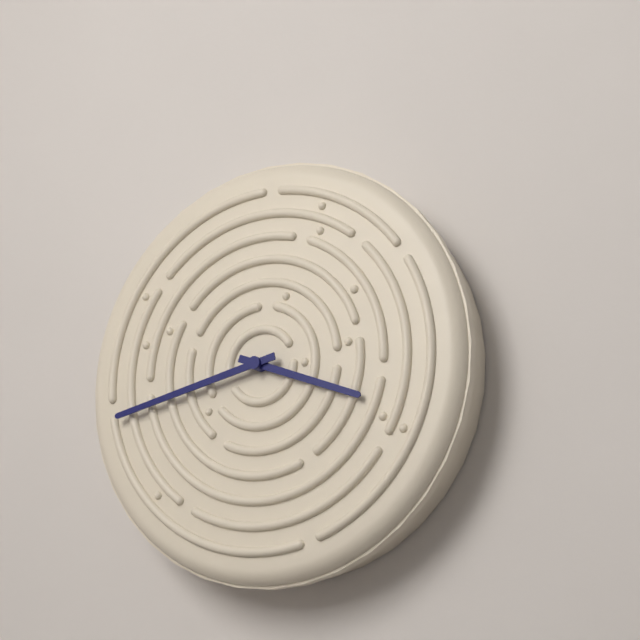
3:43
